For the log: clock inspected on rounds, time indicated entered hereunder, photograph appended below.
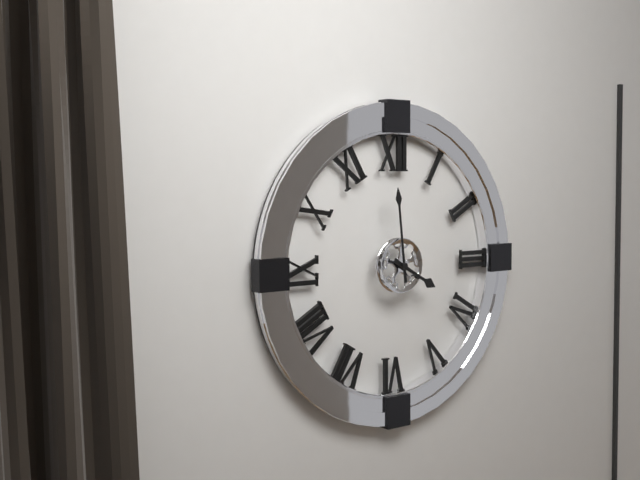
3:59
